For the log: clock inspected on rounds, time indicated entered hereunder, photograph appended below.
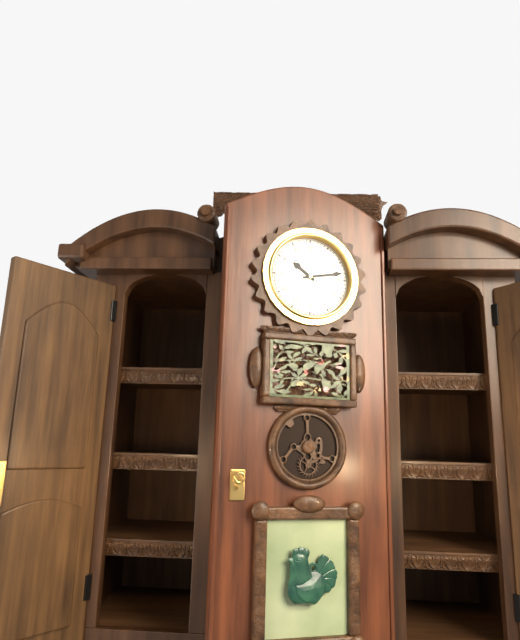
10:13
